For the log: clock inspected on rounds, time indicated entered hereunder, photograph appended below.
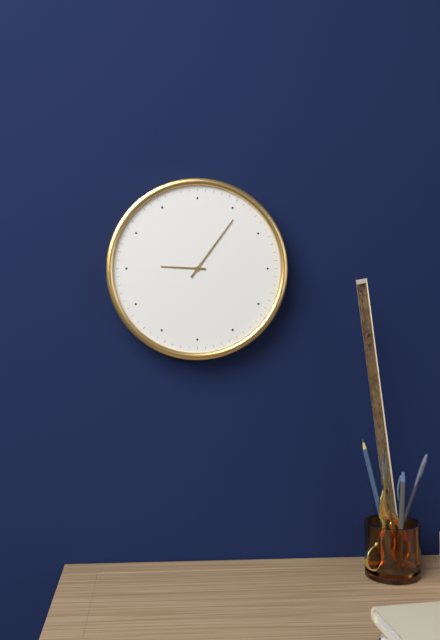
9:06
